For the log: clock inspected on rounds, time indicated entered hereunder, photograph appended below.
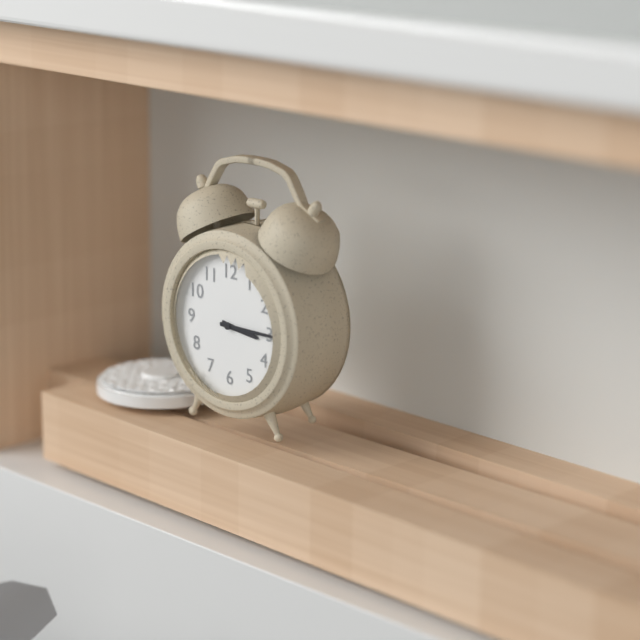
3:15
